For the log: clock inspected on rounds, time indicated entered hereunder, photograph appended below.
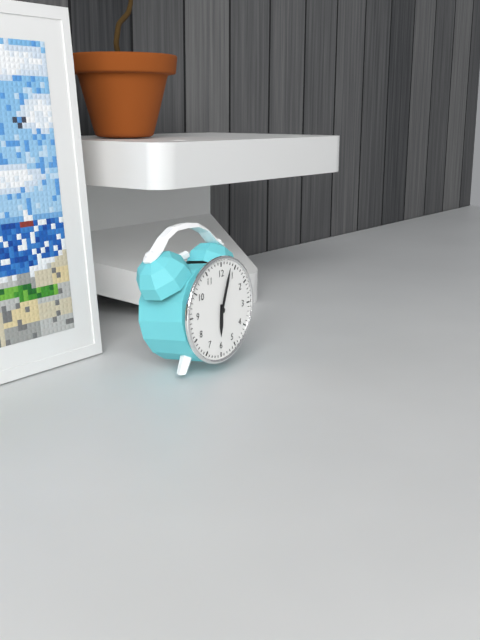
6:03
